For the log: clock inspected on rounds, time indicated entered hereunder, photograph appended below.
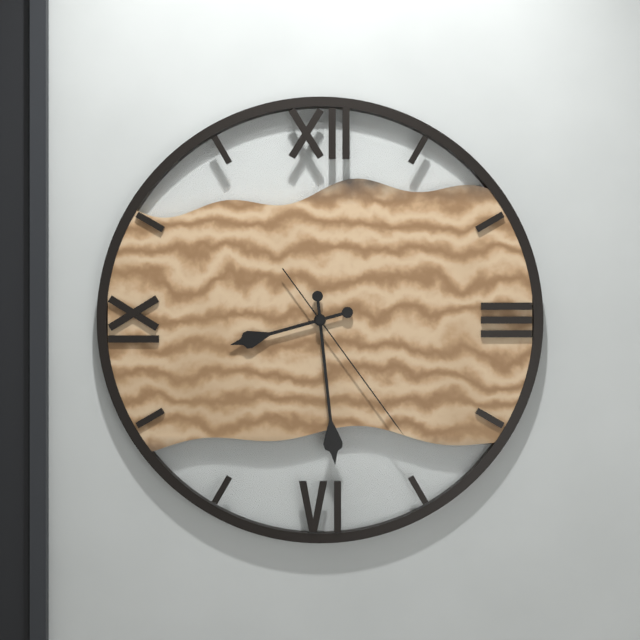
8:29:24
